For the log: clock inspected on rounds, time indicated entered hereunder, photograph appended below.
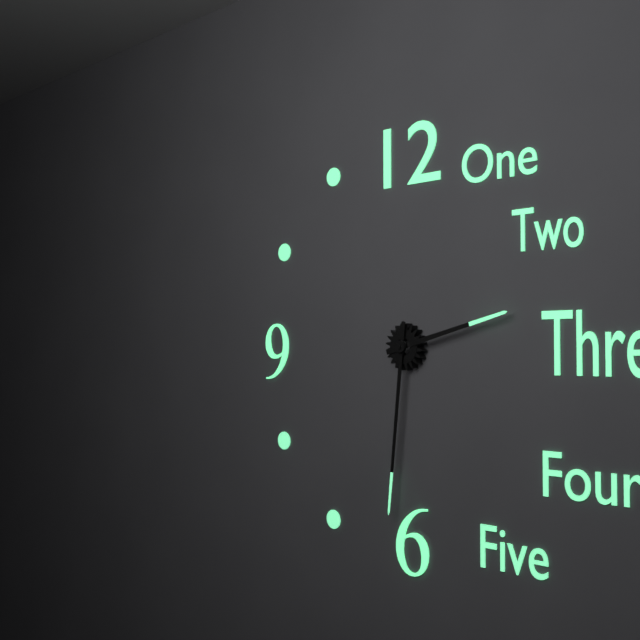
2:31
